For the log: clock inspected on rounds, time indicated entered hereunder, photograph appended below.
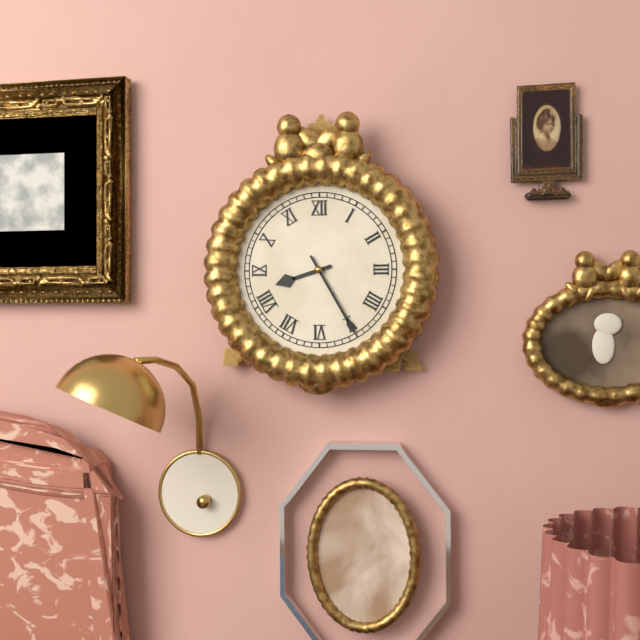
8:25
